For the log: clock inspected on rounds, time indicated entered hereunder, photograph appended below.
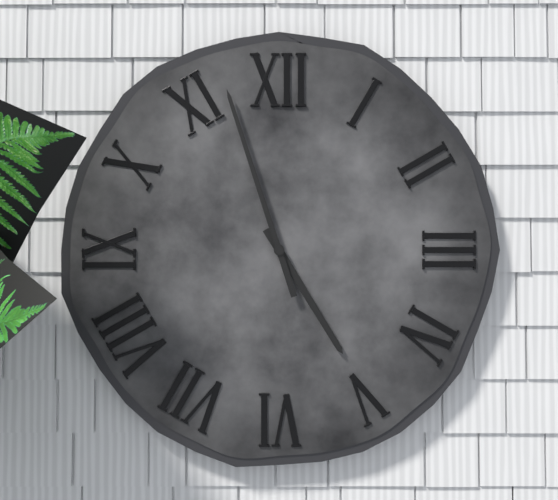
4:57
